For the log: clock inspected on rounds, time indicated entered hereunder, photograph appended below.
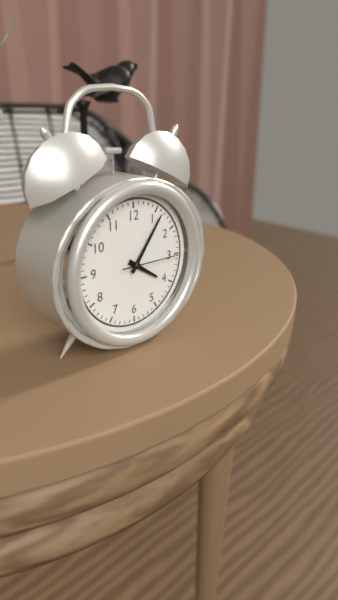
4:06:15
